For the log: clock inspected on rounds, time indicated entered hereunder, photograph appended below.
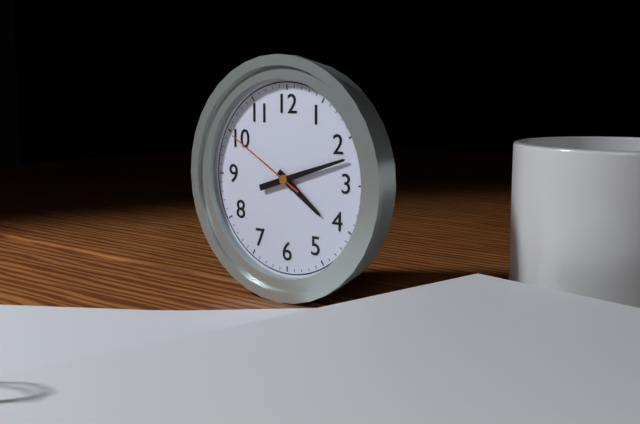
4:12:50
